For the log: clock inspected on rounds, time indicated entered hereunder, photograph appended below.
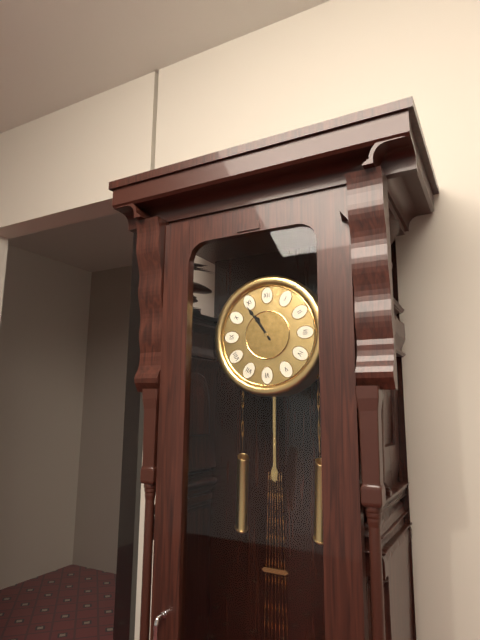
10:54
